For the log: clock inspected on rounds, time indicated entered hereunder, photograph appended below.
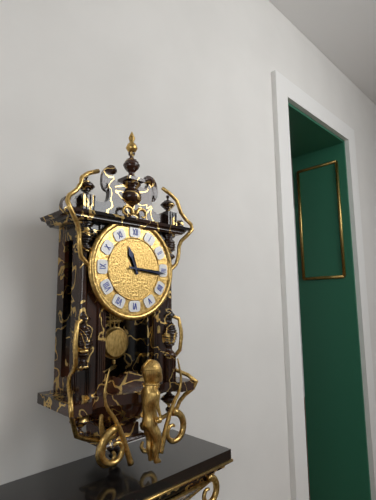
11:16
